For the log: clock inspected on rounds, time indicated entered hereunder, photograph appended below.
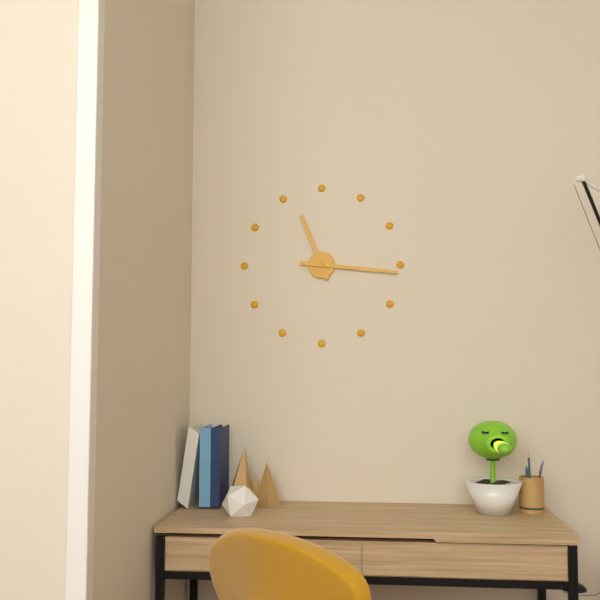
11:16
